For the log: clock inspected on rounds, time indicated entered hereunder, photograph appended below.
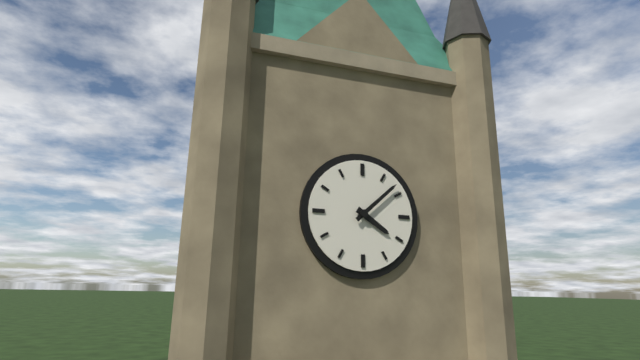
4:08
